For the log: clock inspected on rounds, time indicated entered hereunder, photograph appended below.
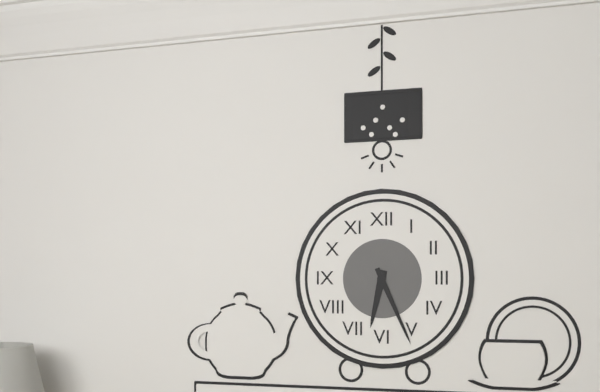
6:26
